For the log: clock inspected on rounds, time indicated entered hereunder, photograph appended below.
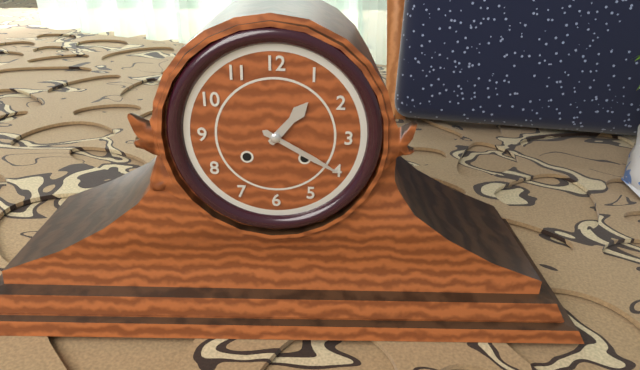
1:20
